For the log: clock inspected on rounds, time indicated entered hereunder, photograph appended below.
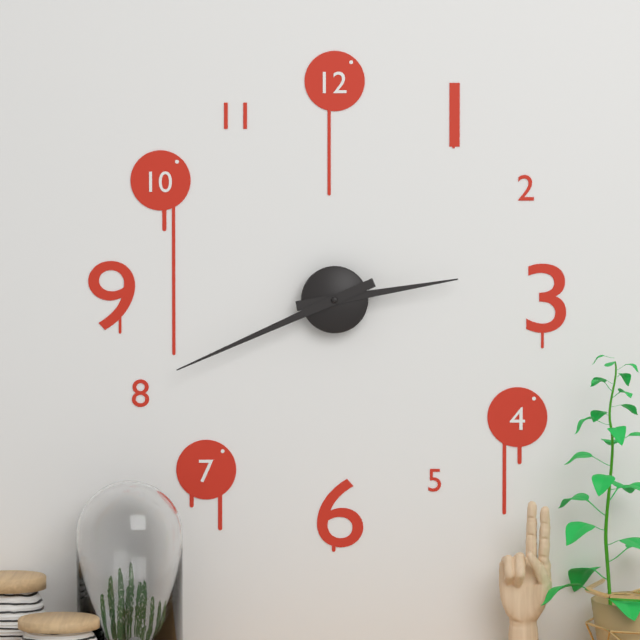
2:41
